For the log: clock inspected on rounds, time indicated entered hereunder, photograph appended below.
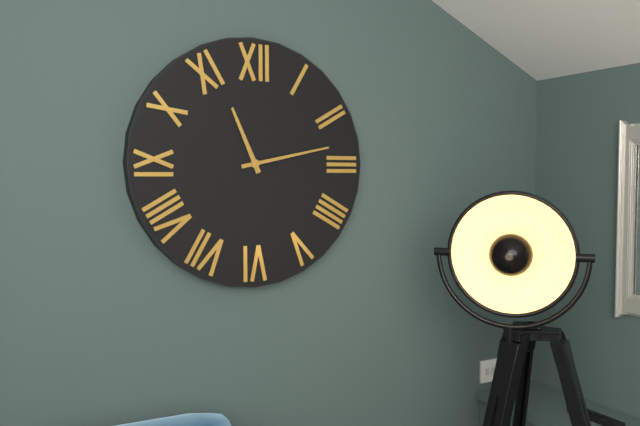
11:13
